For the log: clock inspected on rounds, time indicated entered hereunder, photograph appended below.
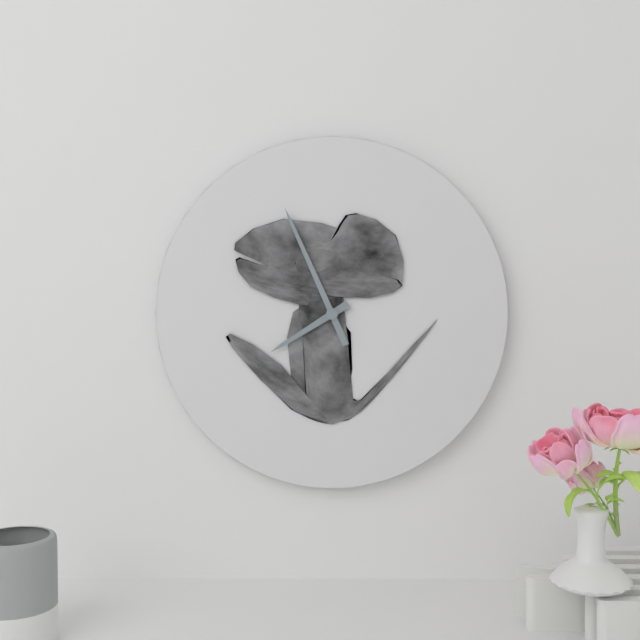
7:56
